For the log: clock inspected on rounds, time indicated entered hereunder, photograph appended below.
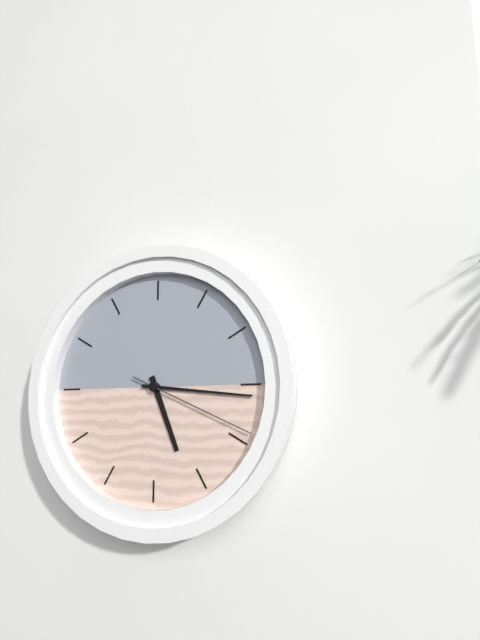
5:16:19
